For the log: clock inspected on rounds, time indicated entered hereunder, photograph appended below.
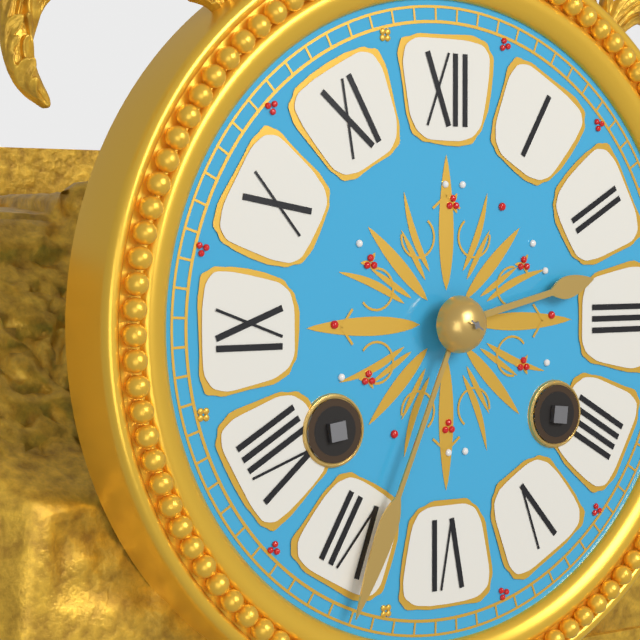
2:34
